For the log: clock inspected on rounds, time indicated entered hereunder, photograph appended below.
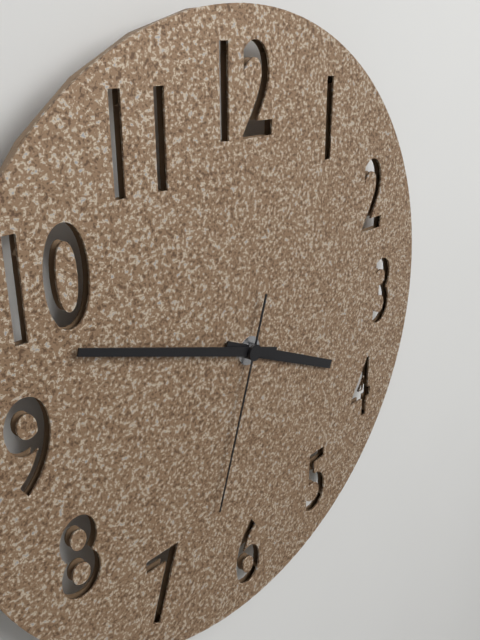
3:48:33
